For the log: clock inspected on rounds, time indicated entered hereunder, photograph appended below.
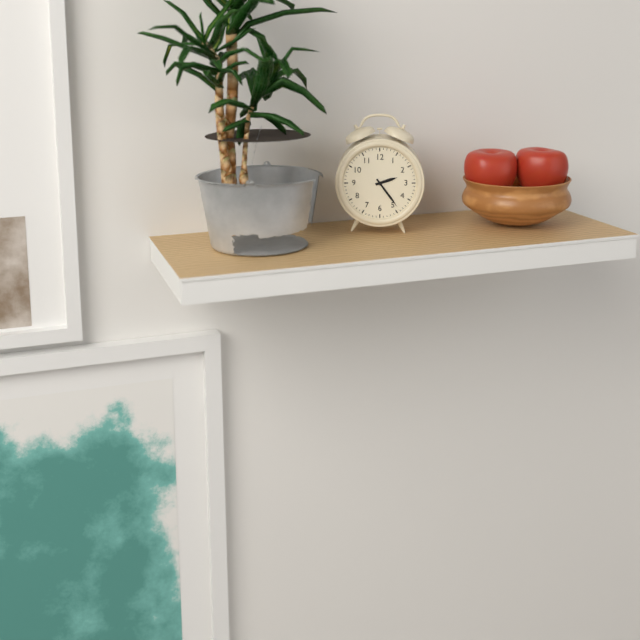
2:24
